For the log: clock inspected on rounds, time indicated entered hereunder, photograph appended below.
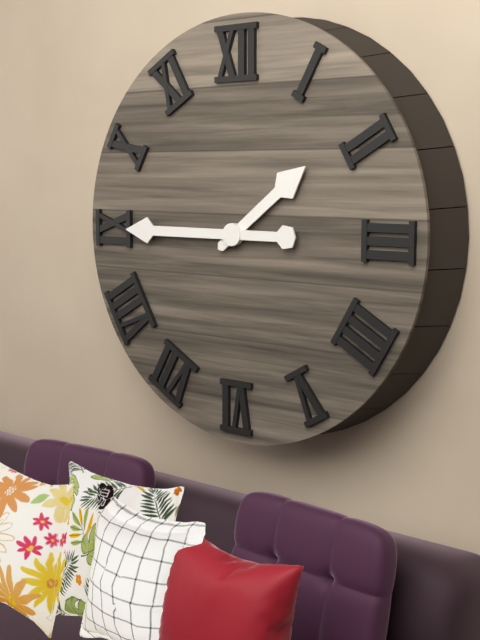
1:45
